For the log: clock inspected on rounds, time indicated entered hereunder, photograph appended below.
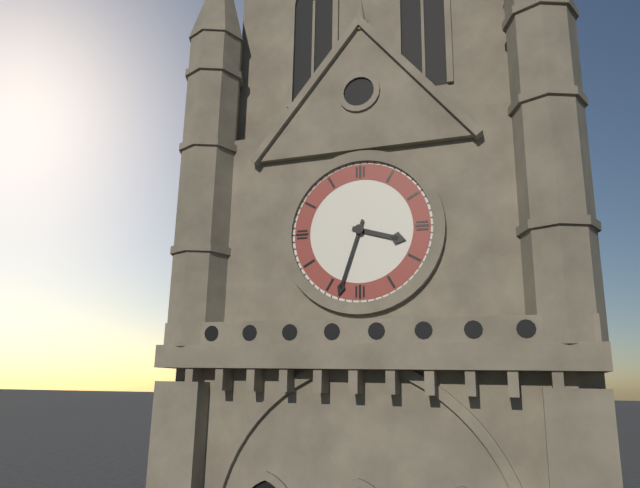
3:33
